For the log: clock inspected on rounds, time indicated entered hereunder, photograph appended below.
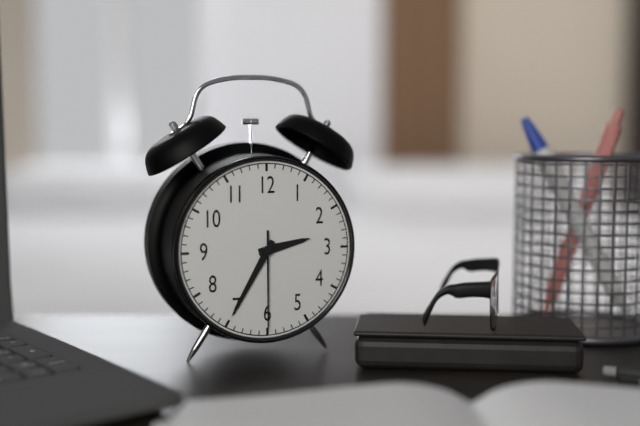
2:35:30
